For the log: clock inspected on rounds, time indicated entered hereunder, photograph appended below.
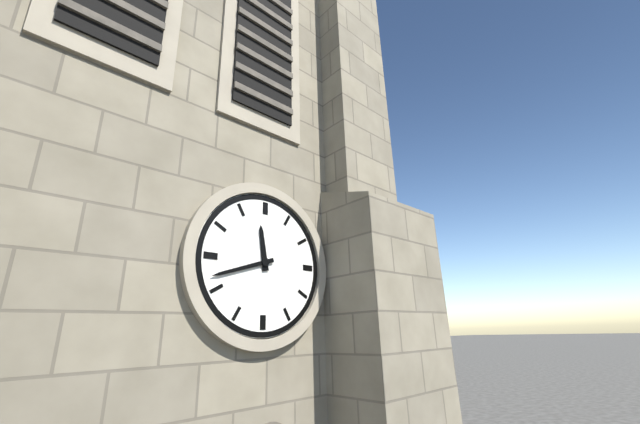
11:42
